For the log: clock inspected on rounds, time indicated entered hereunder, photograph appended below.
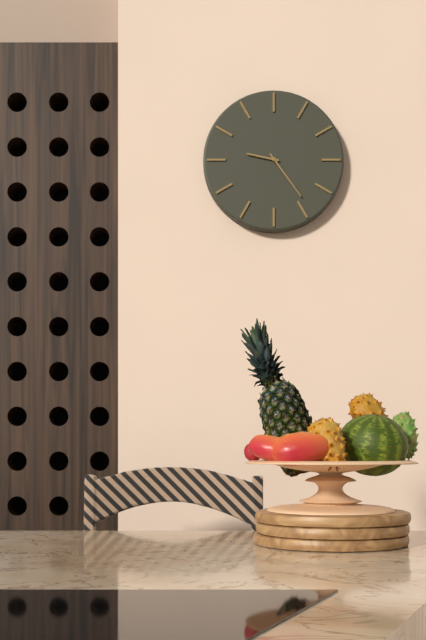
9:24
